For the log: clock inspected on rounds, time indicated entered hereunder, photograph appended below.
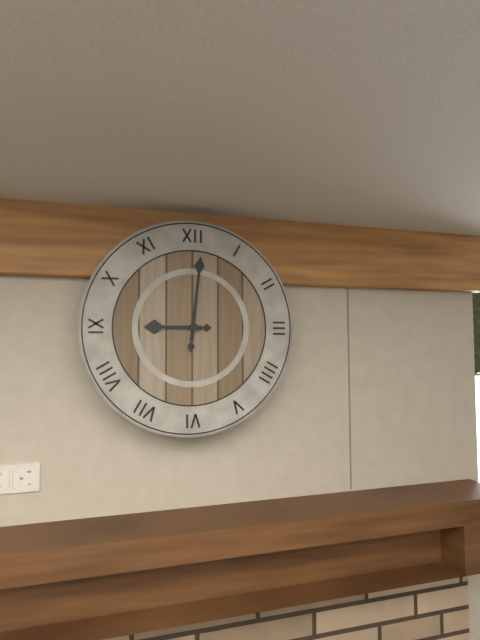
9:01
